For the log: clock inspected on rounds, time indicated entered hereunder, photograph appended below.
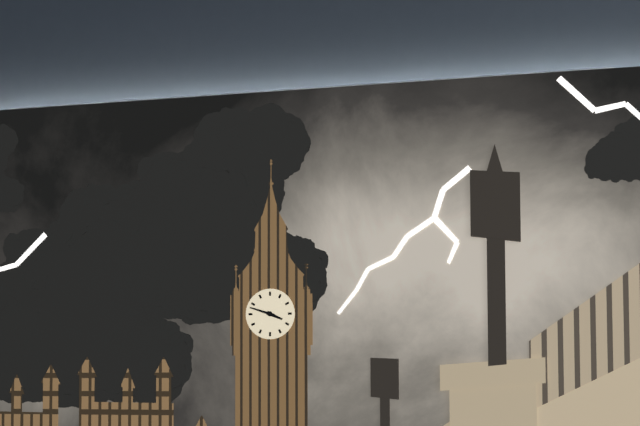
3:48
